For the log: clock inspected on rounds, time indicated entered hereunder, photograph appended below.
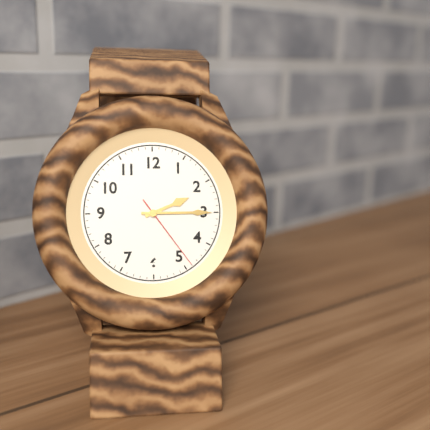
2:15:24
